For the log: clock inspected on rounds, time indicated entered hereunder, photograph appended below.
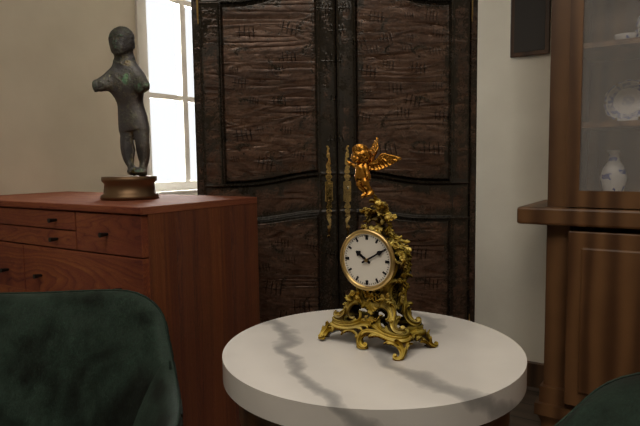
10:10
